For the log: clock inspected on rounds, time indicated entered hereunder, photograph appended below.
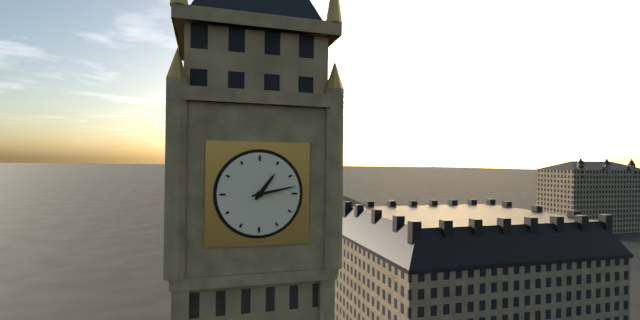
1:13
